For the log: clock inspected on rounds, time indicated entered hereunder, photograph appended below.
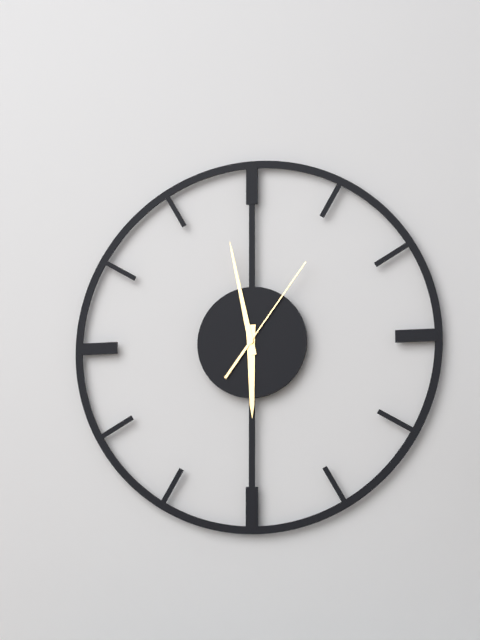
5:58:06
